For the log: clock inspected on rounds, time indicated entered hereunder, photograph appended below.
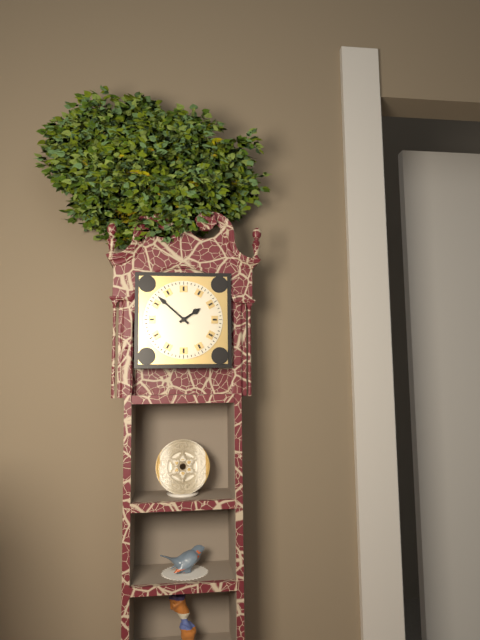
1:52
